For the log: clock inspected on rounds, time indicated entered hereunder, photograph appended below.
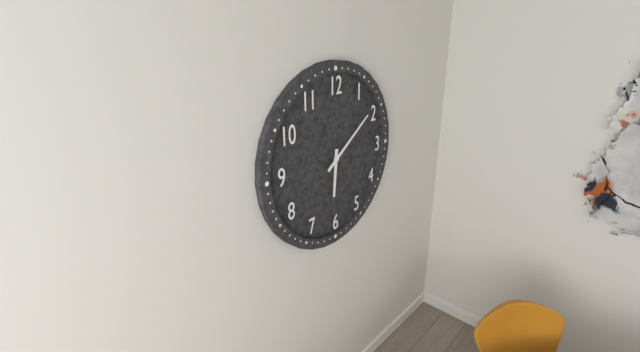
6:09
